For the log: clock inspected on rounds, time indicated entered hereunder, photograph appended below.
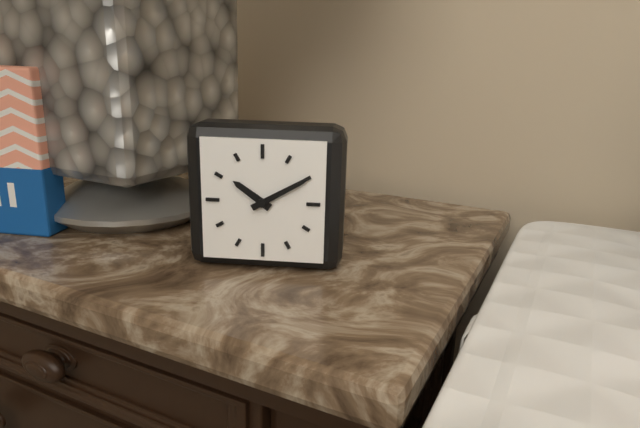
10:10
